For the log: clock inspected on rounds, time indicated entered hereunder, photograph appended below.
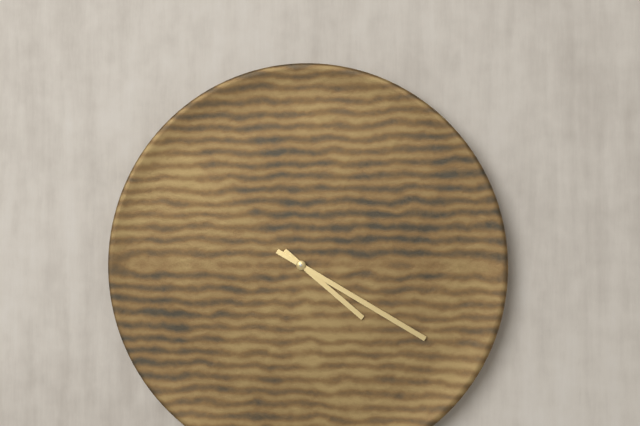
4:20
